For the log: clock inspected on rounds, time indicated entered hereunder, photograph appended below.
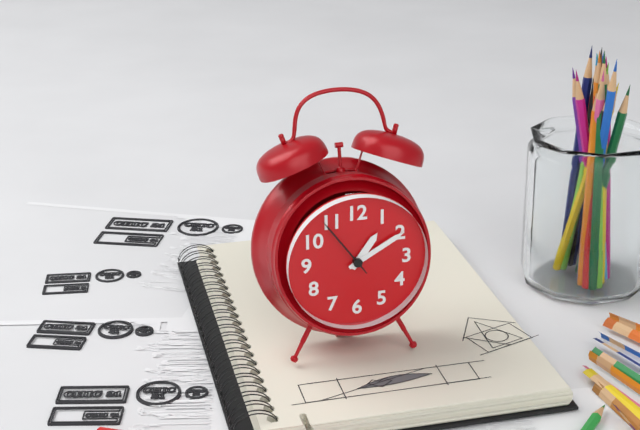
1:10:54
